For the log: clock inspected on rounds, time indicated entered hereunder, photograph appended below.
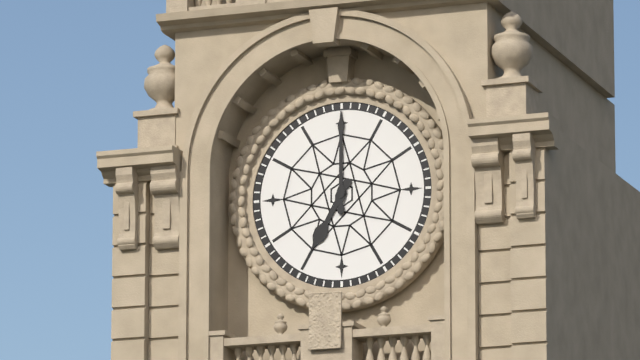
7:00
